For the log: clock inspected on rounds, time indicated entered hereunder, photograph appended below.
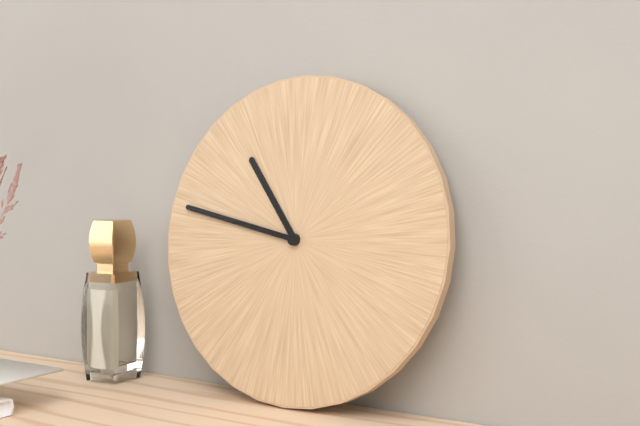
10:47
